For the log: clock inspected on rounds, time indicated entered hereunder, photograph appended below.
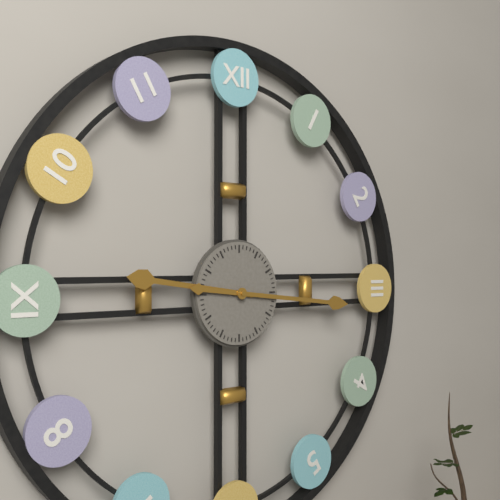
9:16
